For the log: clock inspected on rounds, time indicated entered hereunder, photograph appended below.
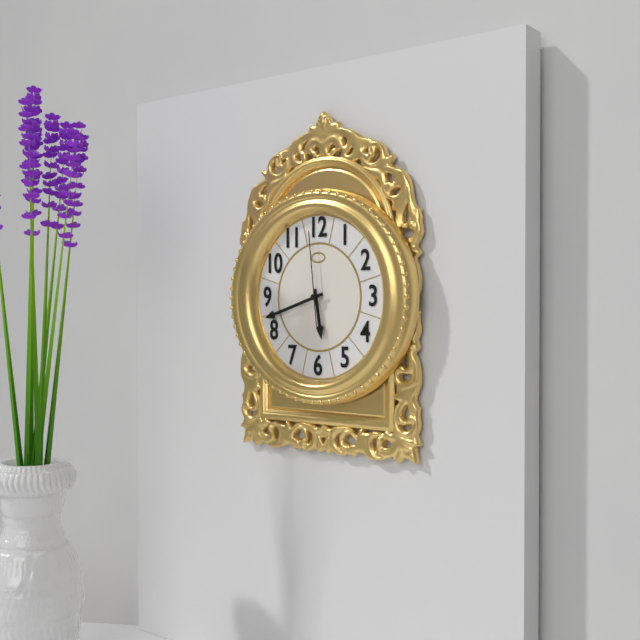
5:42:59
